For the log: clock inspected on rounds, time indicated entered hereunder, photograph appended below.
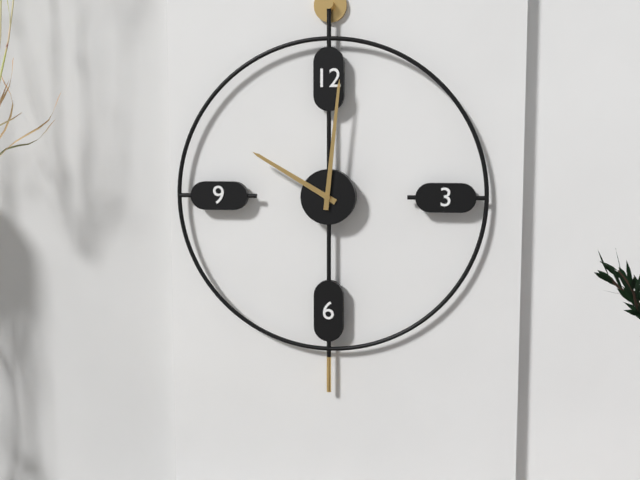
10:01
